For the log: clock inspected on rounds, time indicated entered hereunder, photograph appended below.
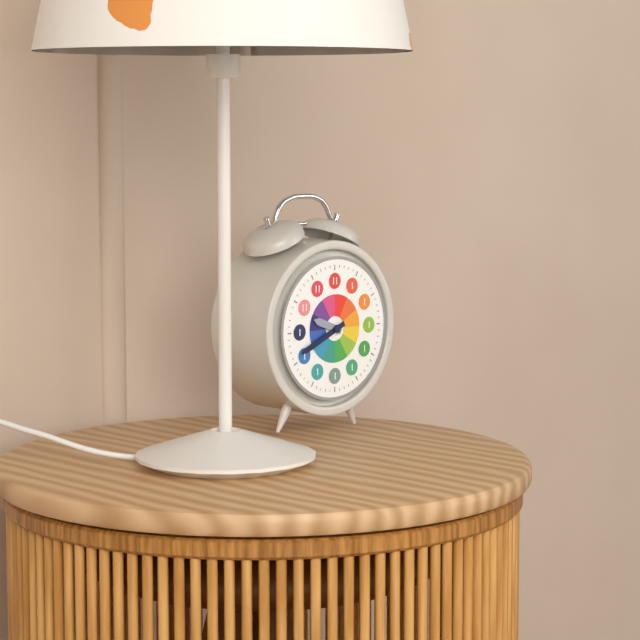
9:41
